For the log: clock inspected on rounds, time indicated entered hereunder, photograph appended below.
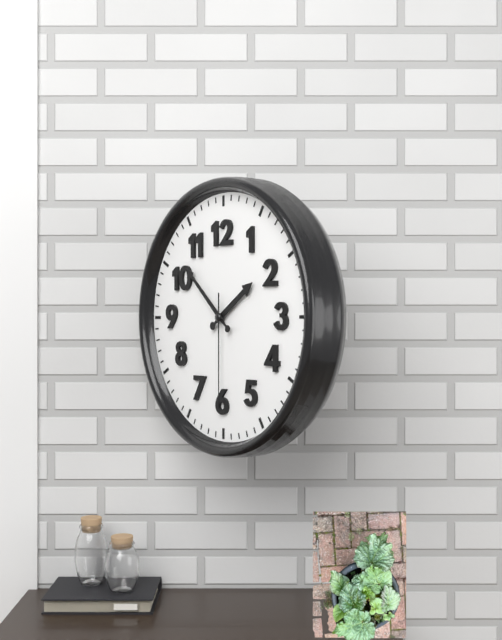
1:52:30
